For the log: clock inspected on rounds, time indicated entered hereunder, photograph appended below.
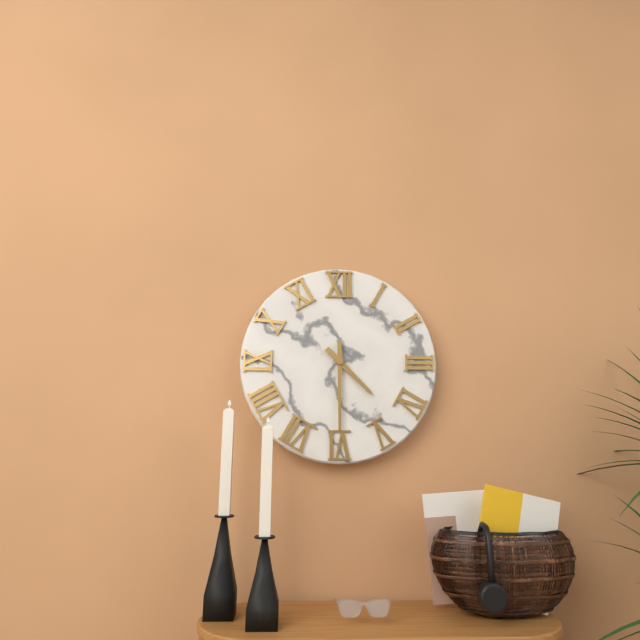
4:30
